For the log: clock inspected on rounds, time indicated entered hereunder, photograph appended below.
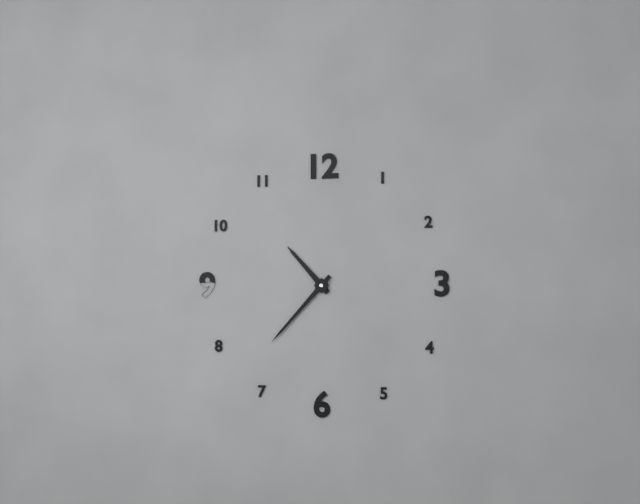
10:37
